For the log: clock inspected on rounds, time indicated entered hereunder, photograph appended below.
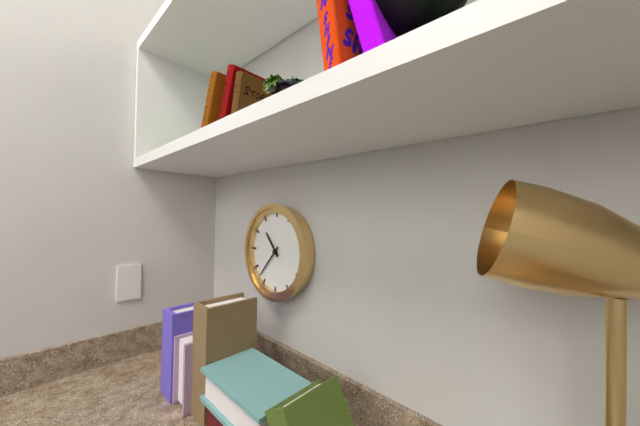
10:37
